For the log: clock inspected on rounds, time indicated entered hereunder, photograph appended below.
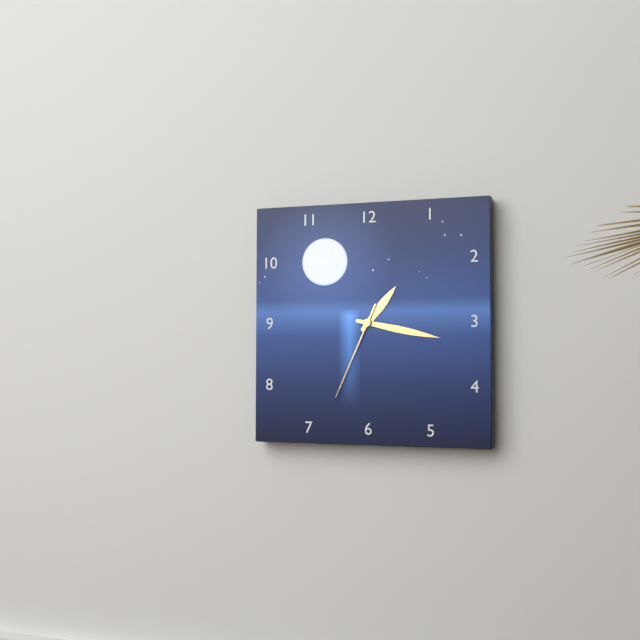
1:17:34
